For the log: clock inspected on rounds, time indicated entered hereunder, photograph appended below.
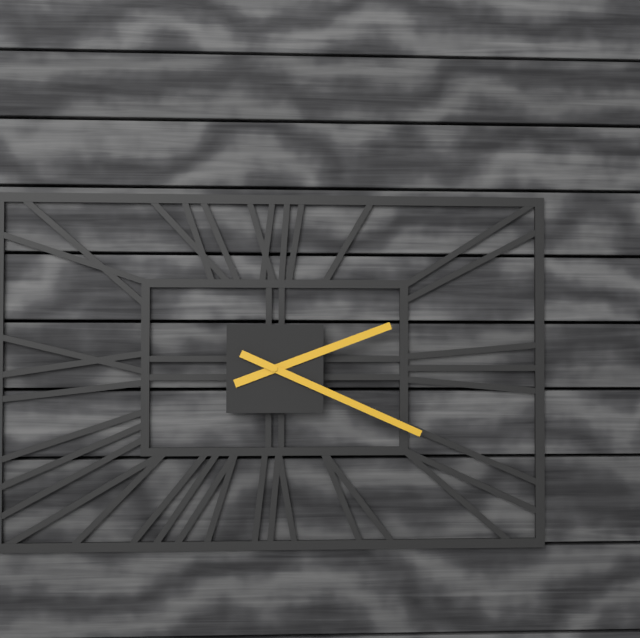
2:19
